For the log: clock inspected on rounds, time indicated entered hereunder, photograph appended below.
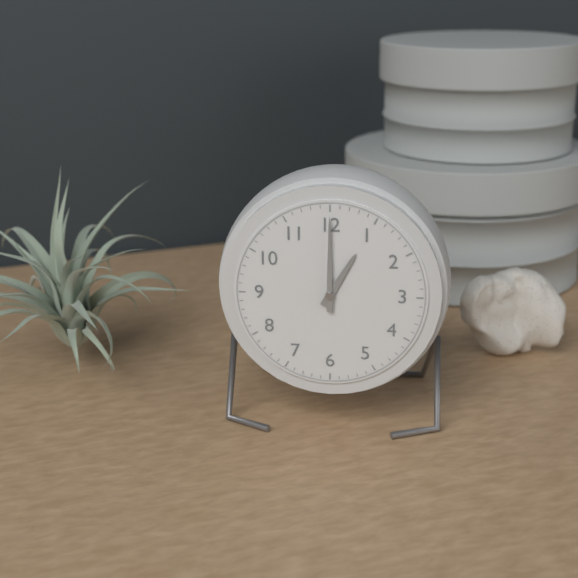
1:00
